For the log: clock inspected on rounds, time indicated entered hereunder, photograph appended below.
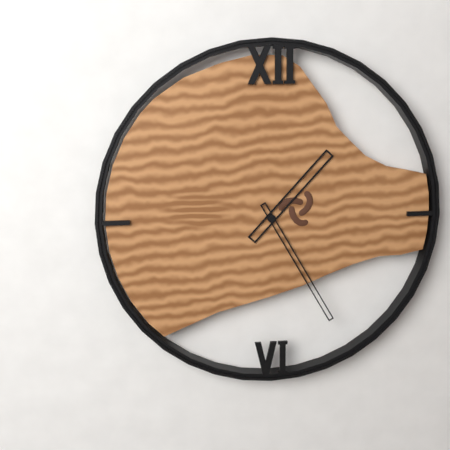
1:25
